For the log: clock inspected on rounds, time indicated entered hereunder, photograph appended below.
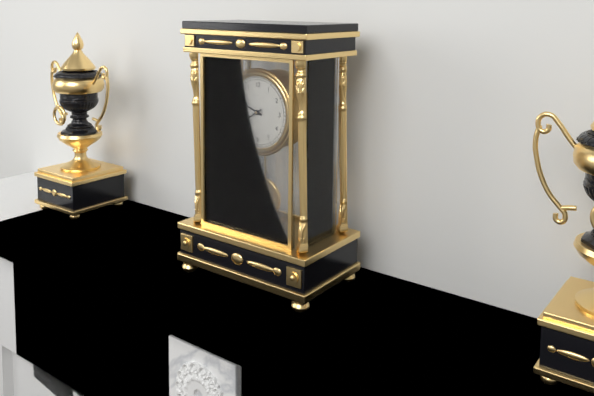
9:40
